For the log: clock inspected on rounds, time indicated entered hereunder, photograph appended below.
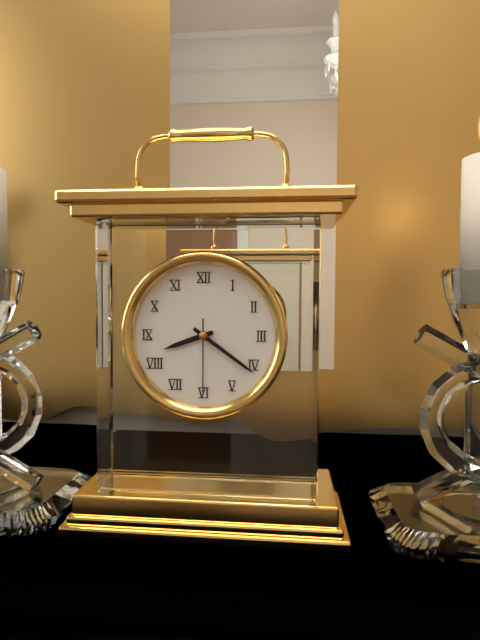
8:21:30
